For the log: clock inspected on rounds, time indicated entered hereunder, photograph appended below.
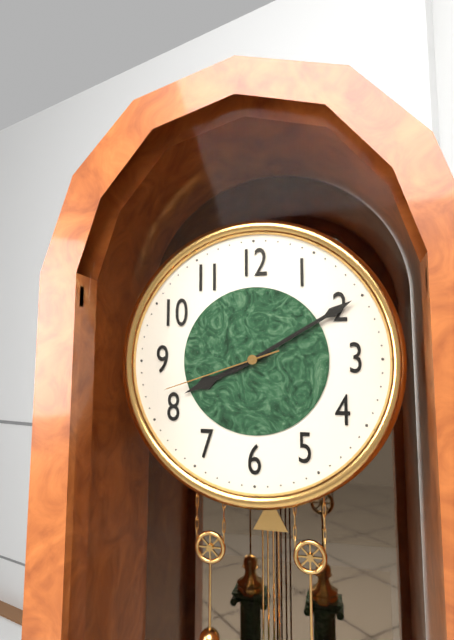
8:10:42
